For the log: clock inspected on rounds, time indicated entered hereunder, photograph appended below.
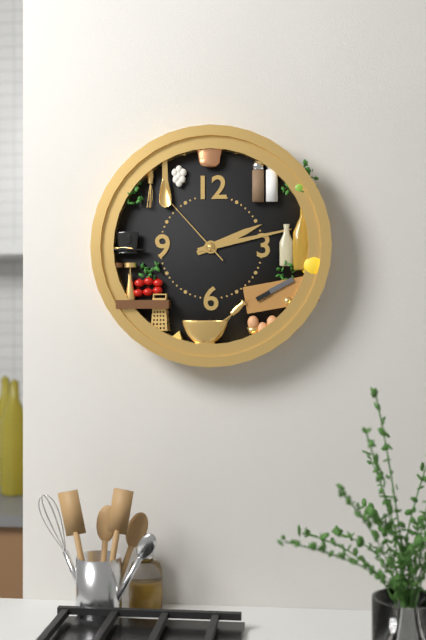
2:13:53
